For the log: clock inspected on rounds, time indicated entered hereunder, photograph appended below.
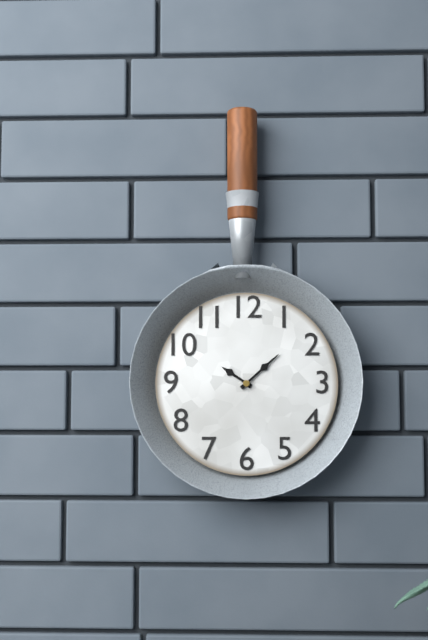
10:08
